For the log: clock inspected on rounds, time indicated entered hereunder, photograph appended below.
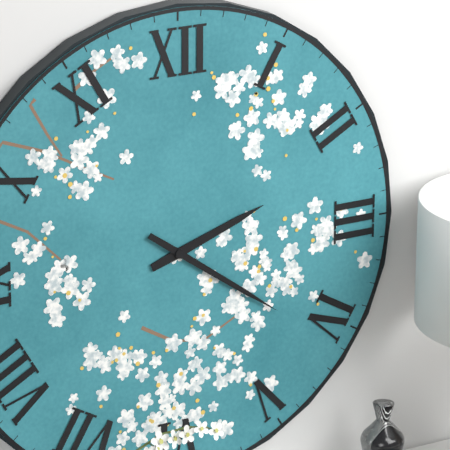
2:21
